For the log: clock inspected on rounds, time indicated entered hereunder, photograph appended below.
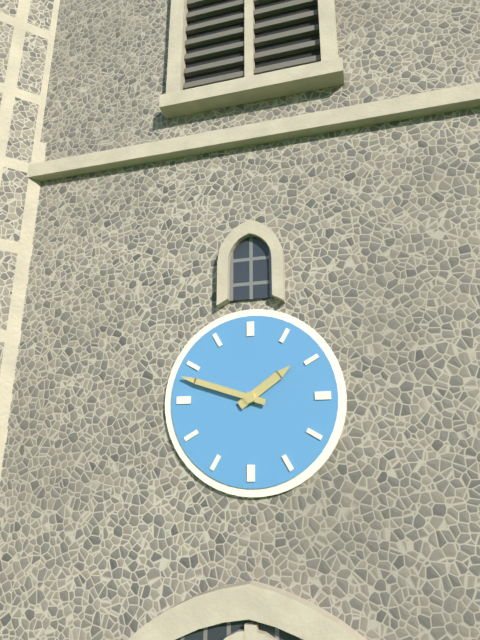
1:48
